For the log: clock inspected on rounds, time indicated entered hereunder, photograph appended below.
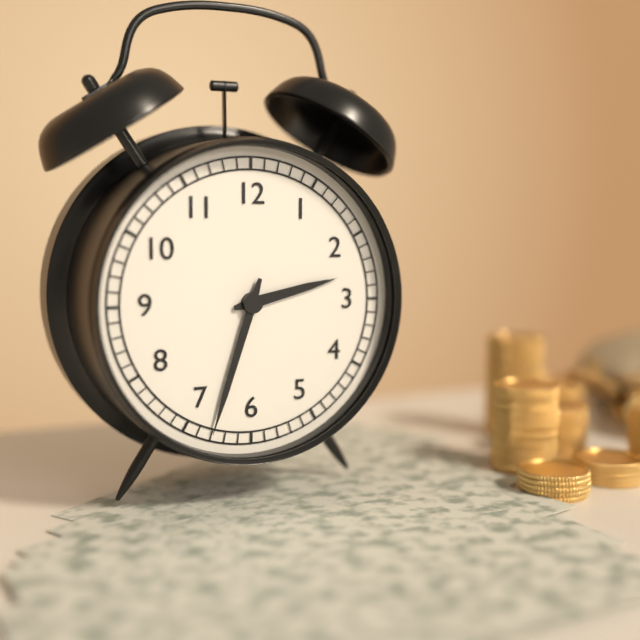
2:33
